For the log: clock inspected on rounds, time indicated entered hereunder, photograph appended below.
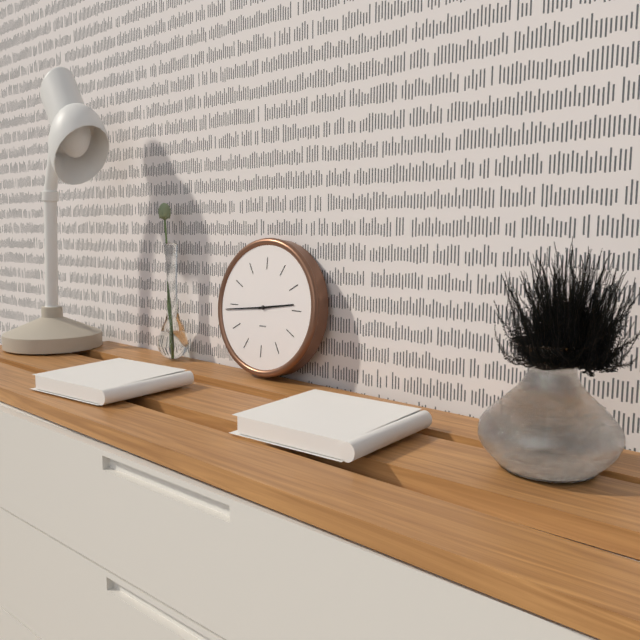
2:44
